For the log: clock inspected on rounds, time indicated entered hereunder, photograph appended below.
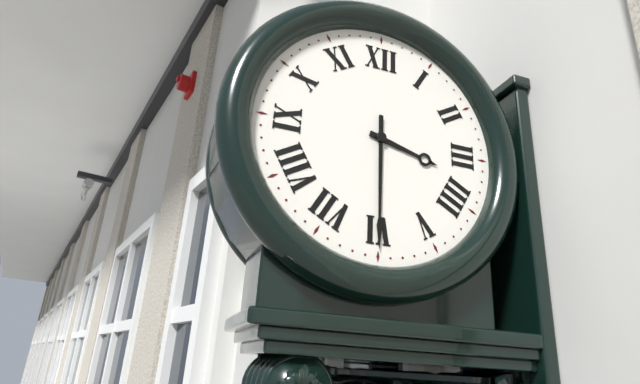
3:30
